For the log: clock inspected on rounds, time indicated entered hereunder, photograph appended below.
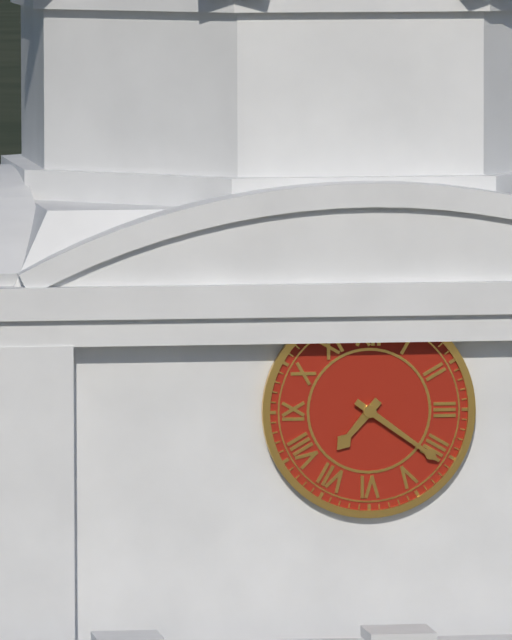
7:21
